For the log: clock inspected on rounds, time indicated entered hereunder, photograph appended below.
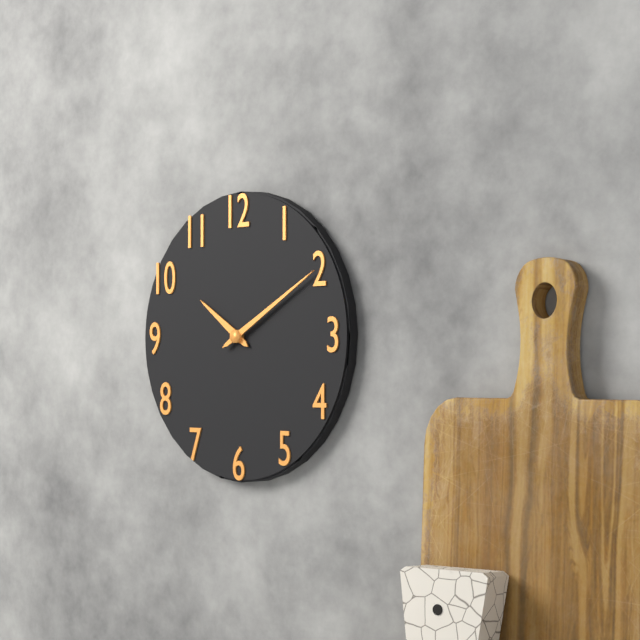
10:10
